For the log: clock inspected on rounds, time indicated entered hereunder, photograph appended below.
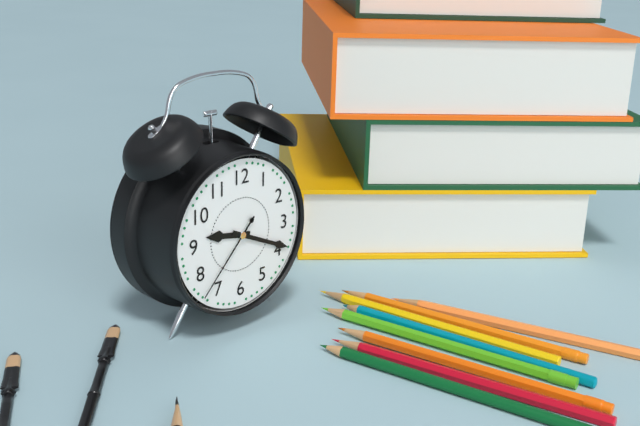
9:19:37
